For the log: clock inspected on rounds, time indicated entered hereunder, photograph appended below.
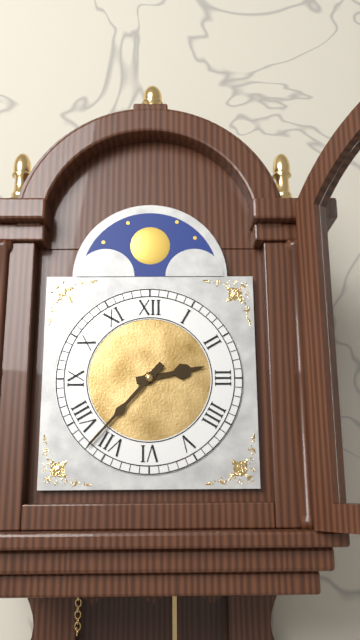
2:37
